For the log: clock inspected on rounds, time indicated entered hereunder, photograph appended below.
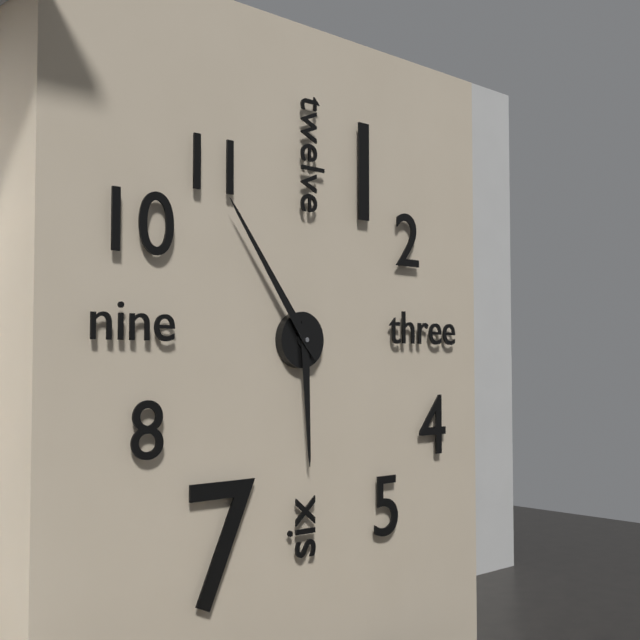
5:54
